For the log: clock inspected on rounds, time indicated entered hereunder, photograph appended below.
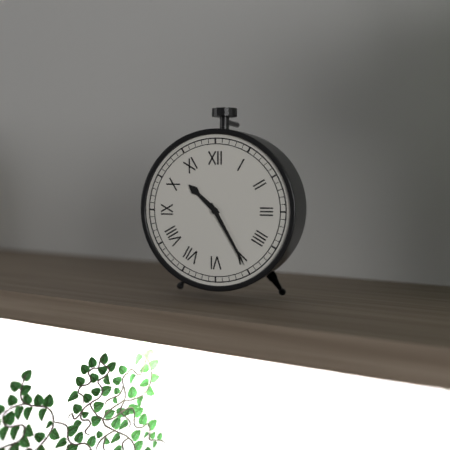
10:25
